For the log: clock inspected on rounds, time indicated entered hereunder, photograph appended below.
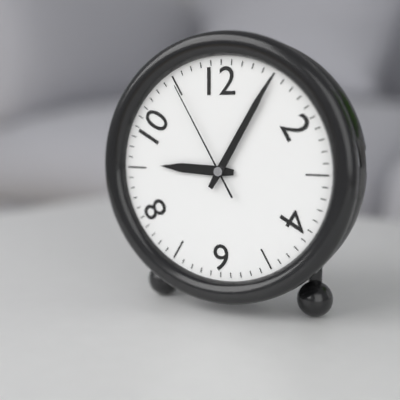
9:05:55
